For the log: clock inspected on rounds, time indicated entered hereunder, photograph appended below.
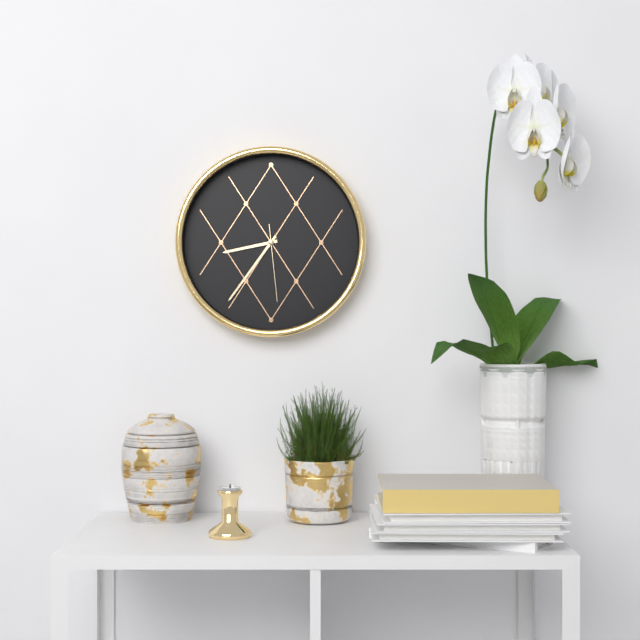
8:36:29
